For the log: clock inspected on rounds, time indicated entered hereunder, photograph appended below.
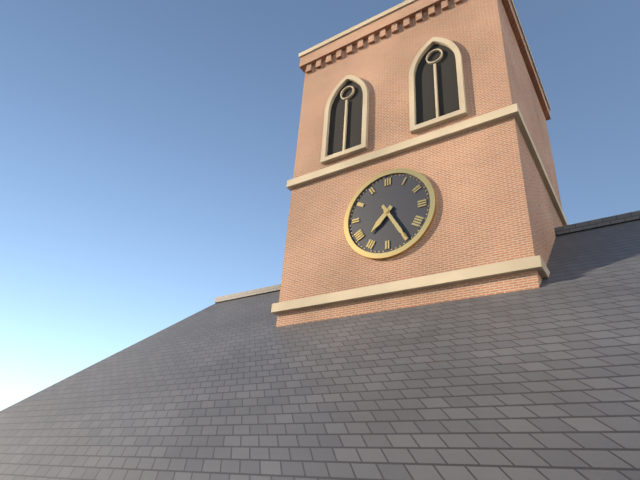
7:25
